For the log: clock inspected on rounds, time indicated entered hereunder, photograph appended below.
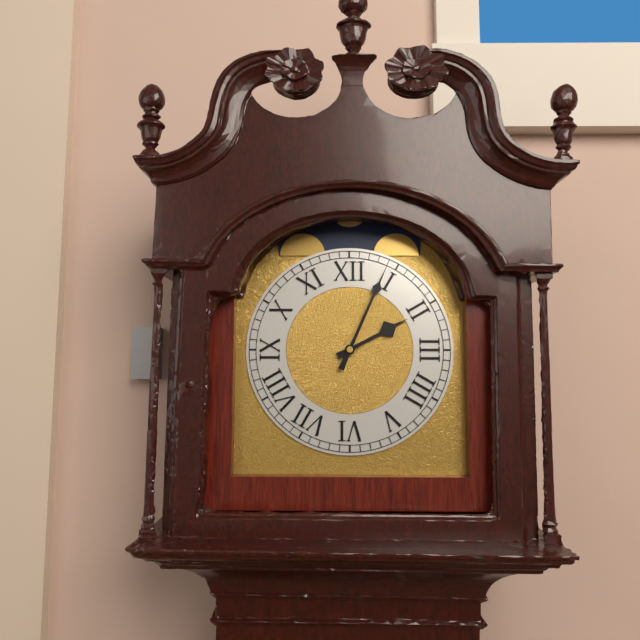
2:04
